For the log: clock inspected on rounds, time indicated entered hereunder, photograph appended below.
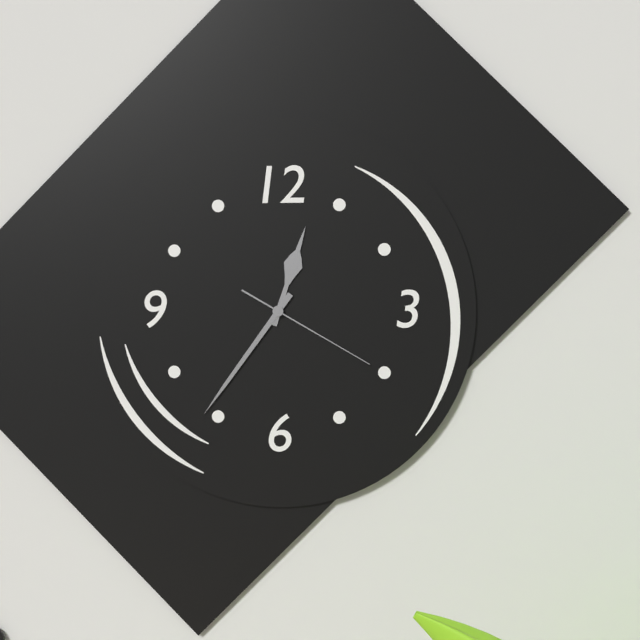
12:36:20
